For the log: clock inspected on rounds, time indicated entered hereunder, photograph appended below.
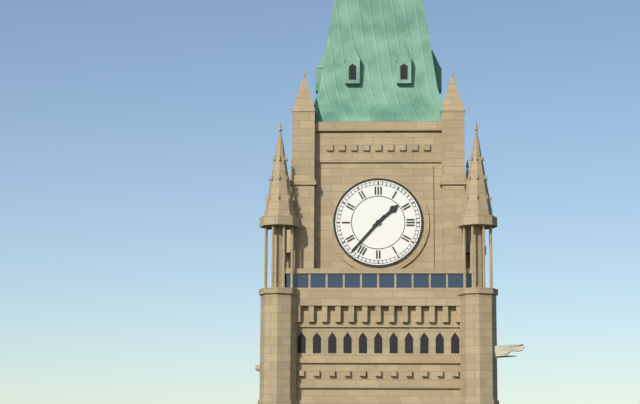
1:37
